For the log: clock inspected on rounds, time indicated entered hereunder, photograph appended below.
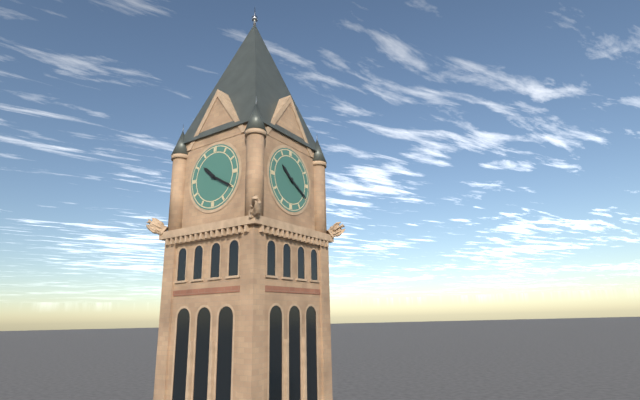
10:20
